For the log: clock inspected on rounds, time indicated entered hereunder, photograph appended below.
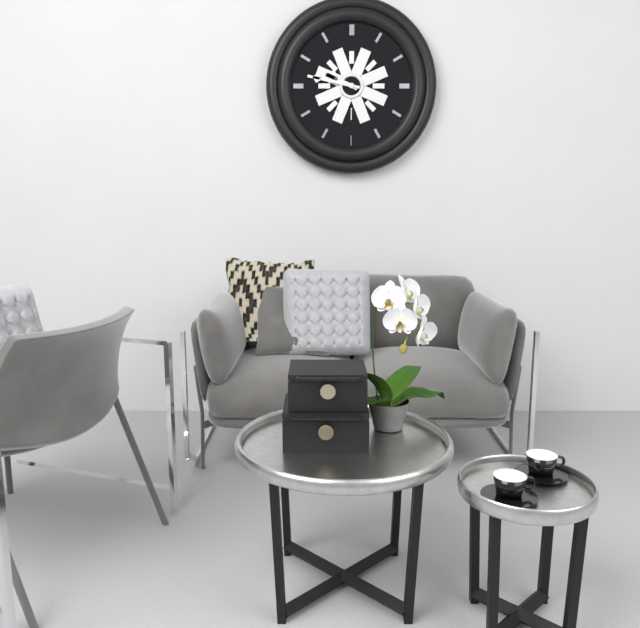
9:47
